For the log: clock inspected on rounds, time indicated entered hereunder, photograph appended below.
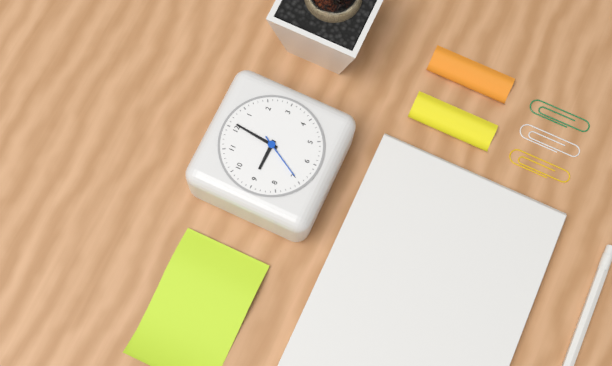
9:01
